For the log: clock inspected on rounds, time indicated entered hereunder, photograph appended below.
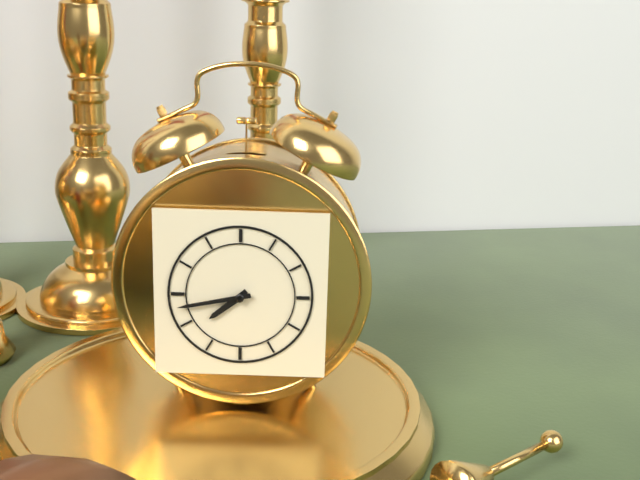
7:43
